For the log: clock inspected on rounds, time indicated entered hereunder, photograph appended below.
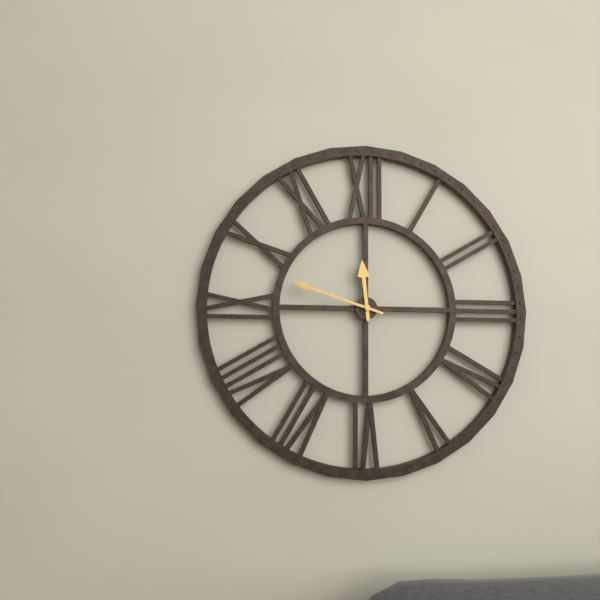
11:48
